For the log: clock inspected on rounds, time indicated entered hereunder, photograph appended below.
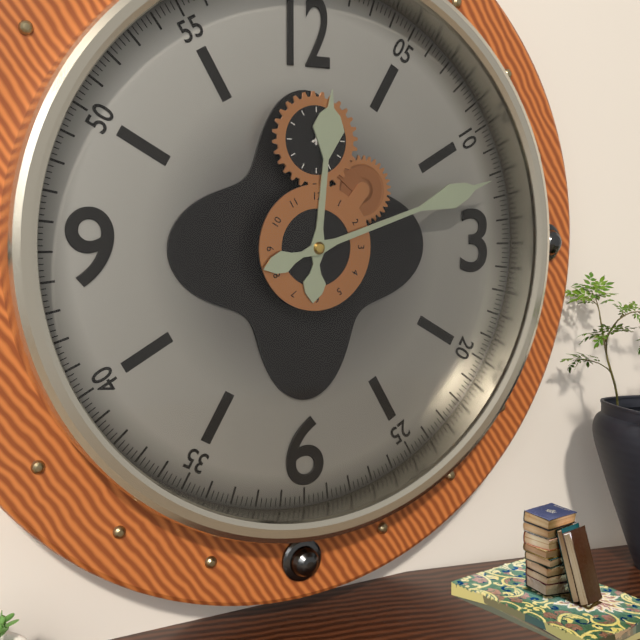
12:12
